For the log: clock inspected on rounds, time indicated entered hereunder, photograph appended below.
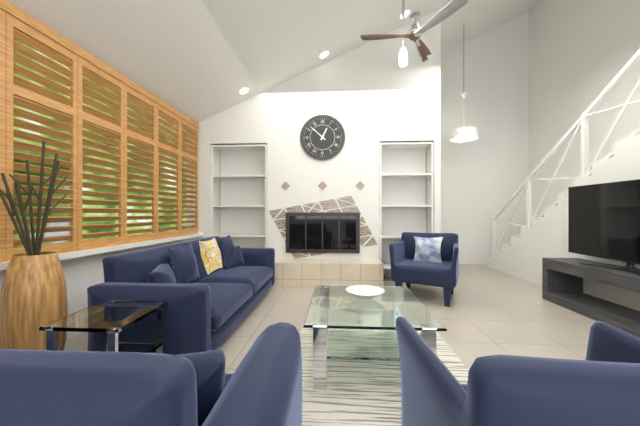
12:52
